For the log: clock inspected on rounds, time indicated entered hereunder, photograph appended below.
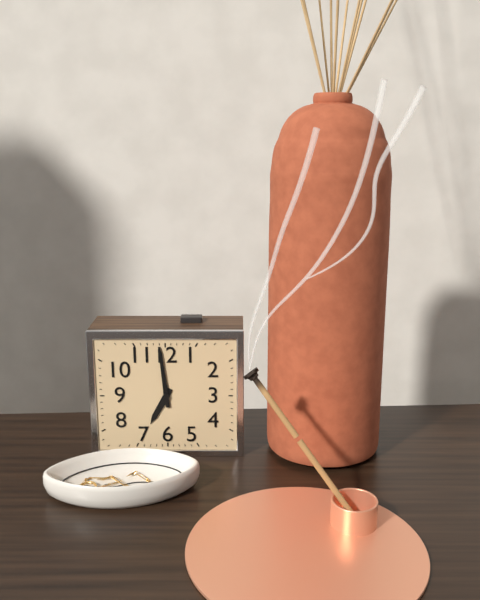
6:59
